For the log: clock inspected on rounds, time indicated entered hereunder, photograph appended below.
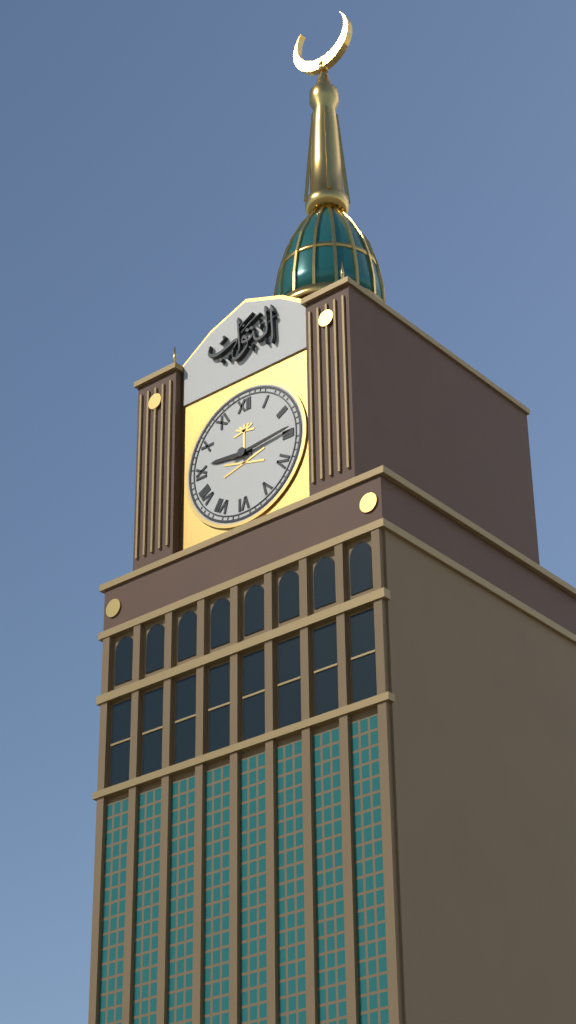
9:14
